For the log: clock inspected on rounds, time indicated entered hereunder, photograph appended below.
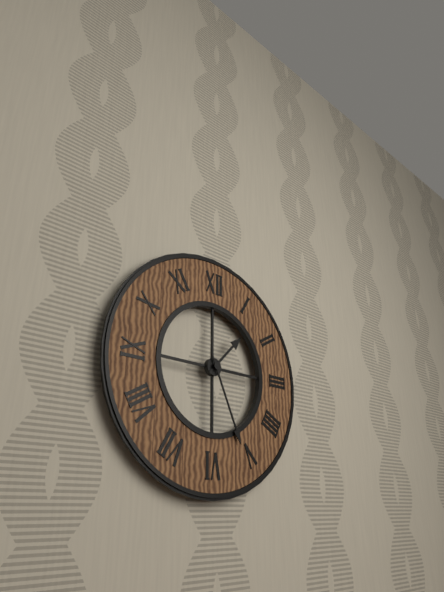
1:26
